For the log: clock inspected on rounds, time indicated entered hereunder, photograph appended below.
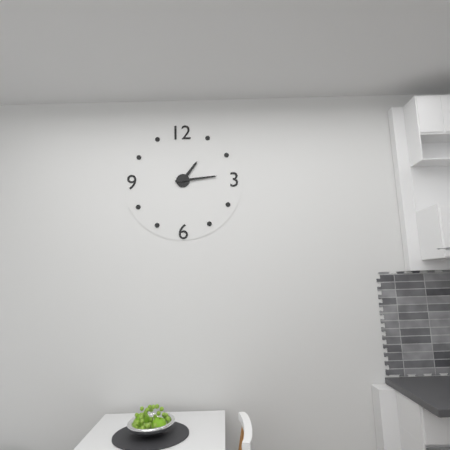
1:14
